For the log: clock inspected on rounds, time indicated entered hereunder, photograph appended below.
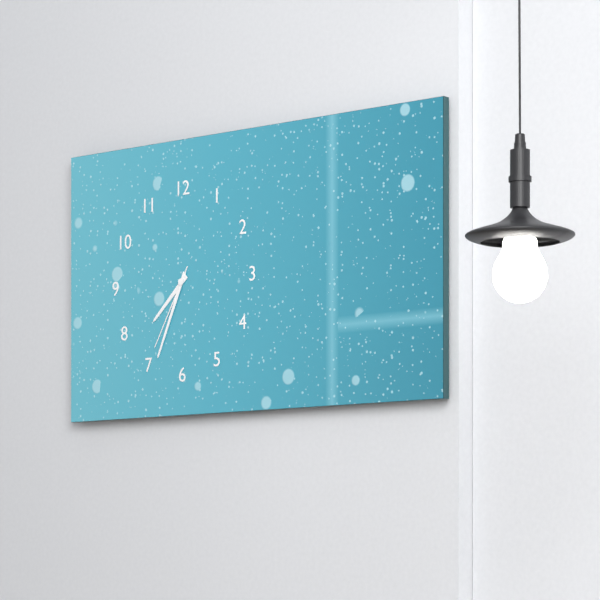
7:34:35
